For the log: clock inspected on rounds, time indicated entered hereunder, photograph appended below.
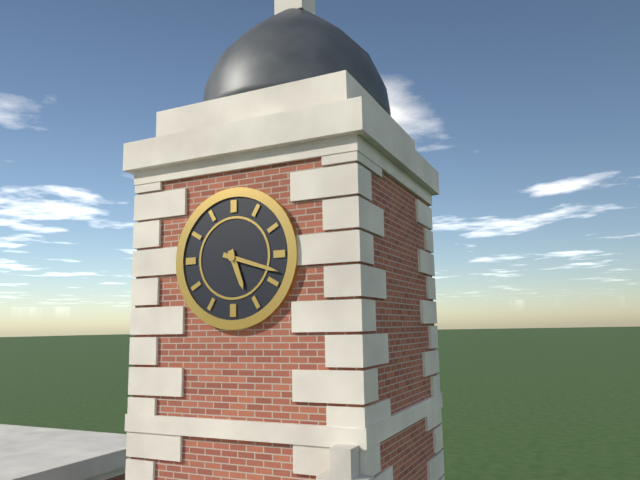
5:18
